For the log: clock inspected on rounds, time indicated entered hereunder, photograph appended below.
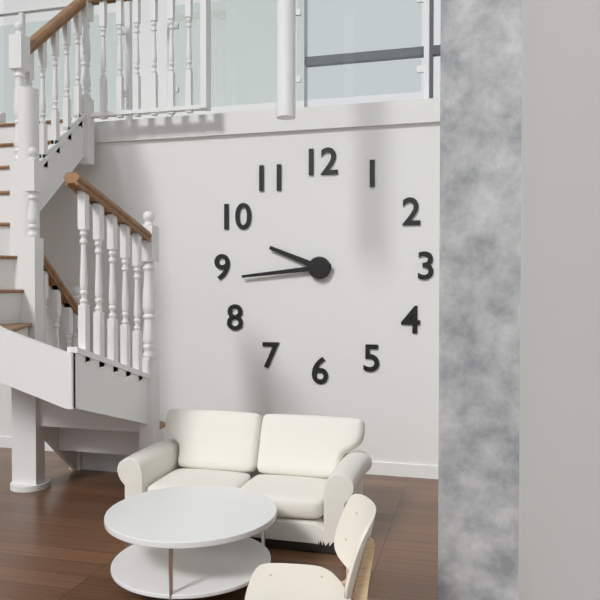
9:44
